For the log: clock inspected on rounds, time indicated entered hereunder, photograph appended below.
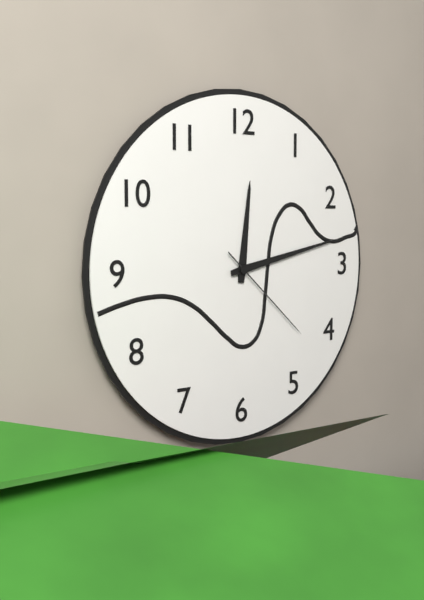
12:13:22
